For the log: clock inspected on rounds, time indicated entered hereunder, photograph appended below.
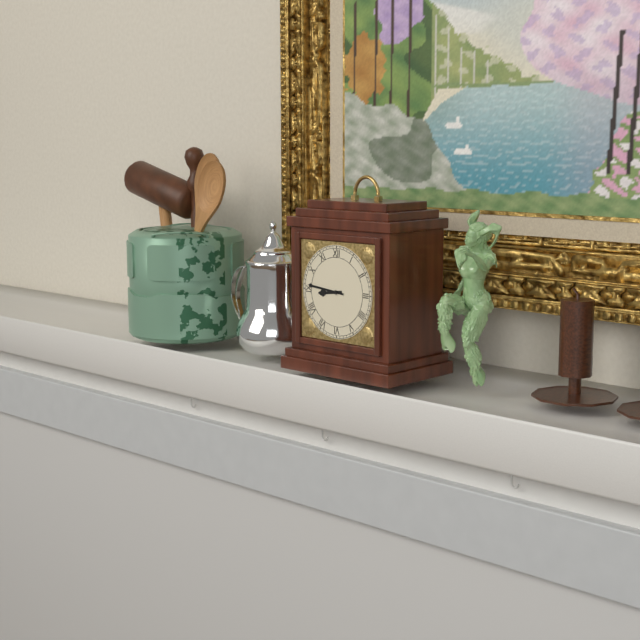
8:46
